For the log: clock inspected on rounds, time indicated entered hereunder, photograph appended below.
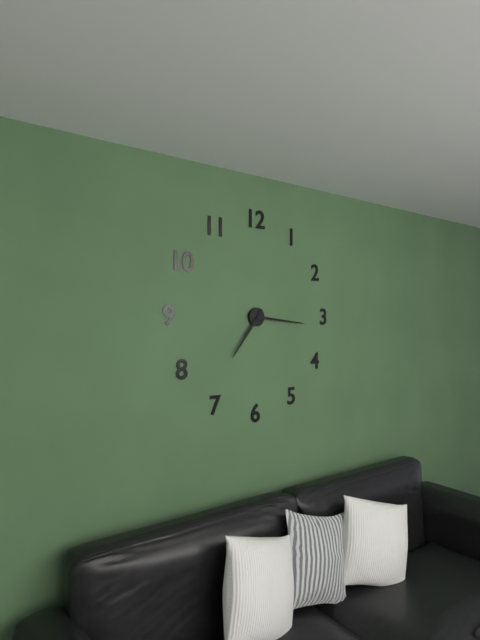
7:16
